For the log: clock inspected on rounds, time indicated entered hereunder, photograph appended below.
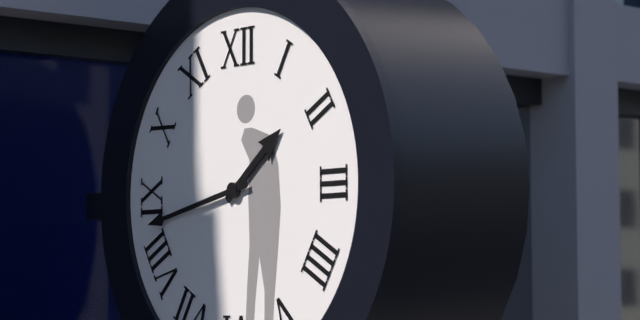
1:43
